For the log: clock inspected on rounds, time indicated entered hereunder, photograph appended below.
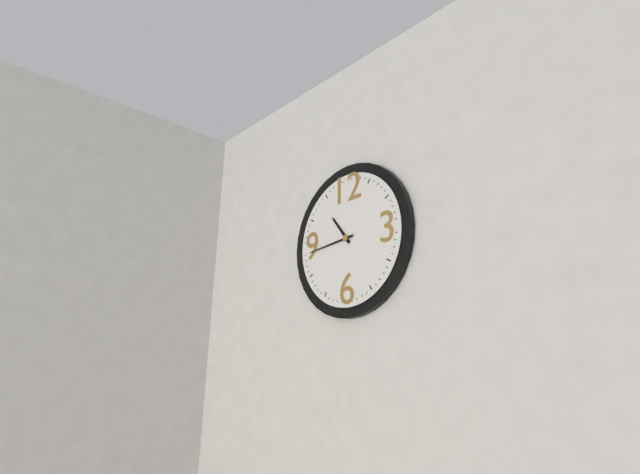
10:44
